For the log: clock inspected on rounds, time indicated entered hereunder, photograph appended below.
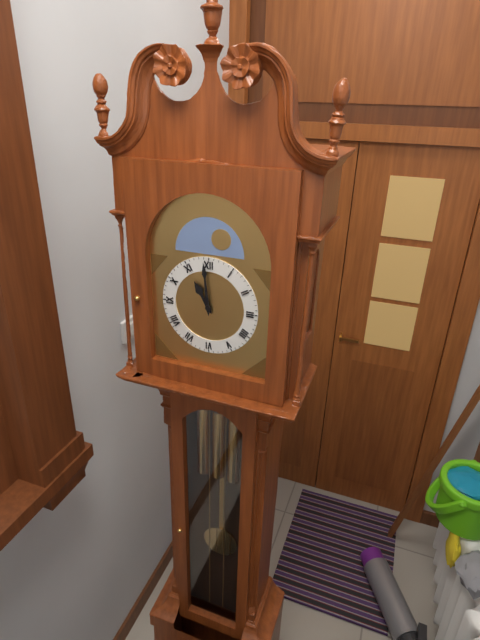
10:59
